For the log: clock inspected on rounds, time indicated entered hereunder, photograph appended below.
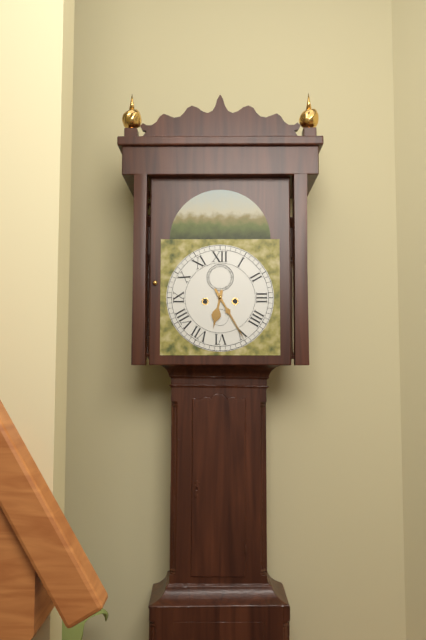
6:25
